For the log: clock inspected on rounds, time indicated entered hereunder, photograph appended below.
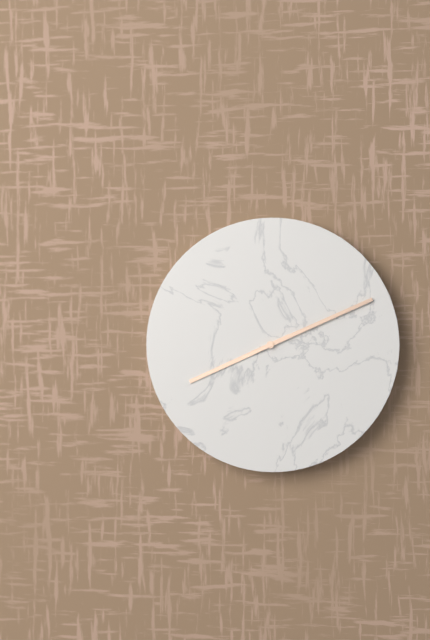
8:11
